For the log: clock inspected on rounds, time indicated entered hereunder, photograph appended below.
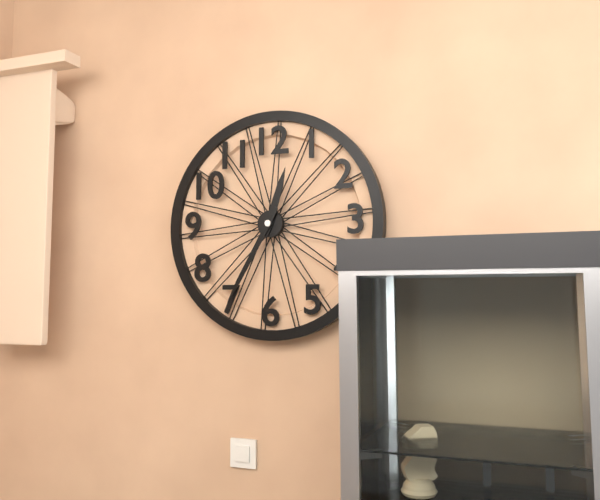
12:35
